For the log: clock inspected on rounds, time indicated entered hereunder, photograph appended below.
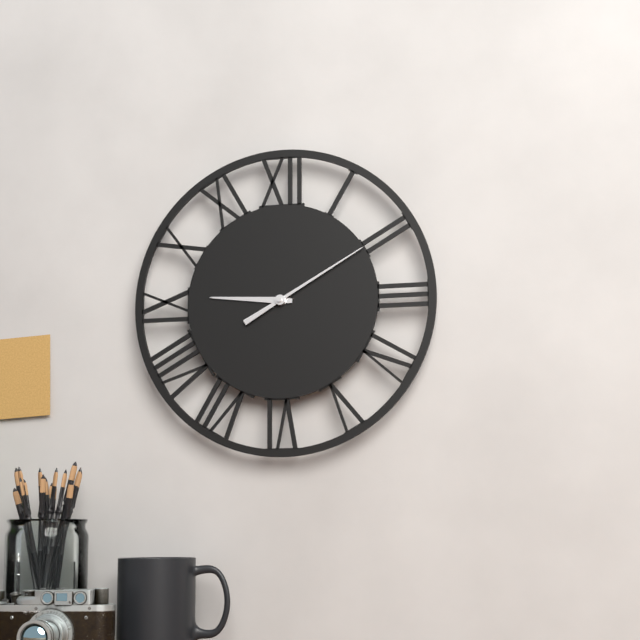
9:10
